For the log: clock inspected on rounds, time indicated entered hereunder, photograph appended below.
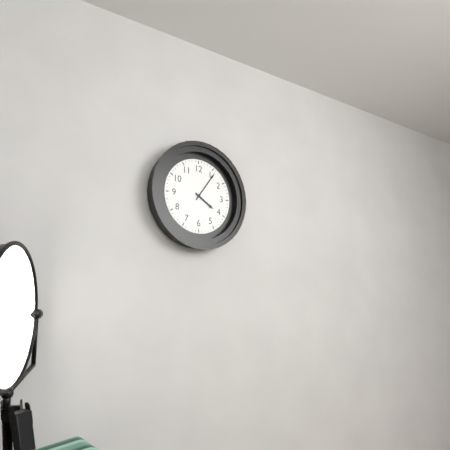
4:06
